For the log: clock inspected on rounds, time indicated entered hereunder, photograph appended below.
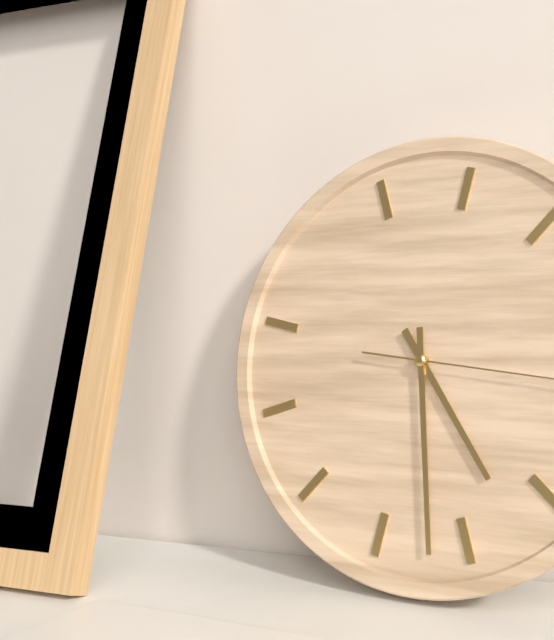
4:27
